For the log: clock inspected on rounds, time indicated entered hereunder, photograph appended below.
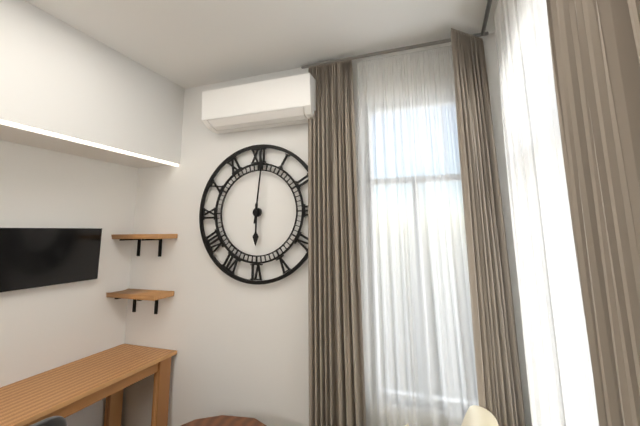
6:01
